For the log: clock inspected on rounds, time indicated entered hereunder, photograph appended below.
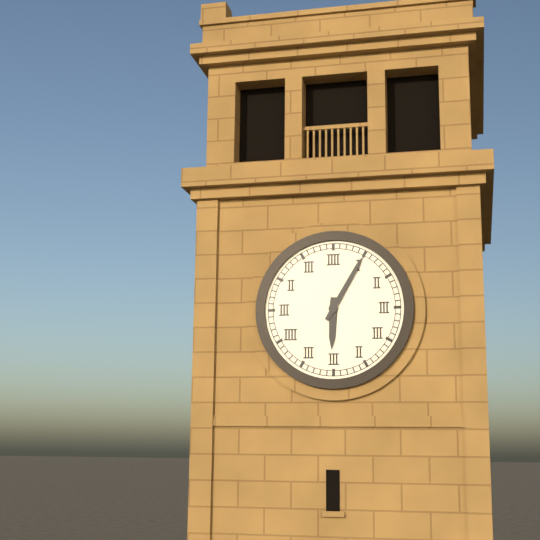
6:05
